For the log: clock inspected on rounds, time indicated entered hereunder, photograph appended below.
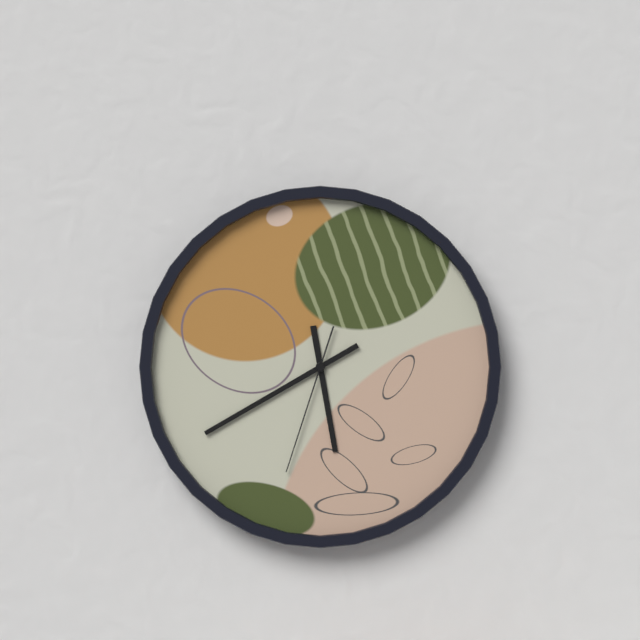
5:40:33
